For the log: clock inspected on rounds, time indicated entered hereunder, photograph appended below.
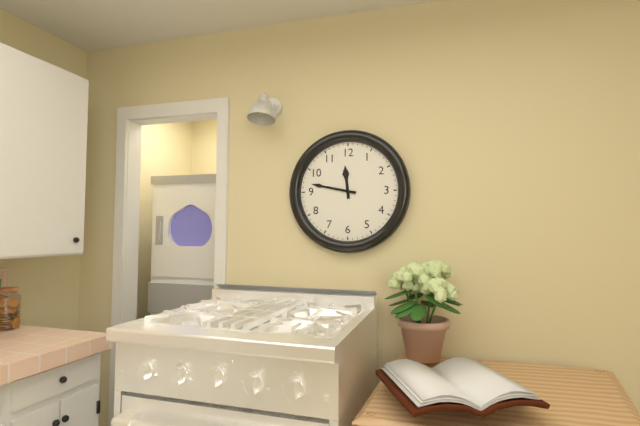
11:47
